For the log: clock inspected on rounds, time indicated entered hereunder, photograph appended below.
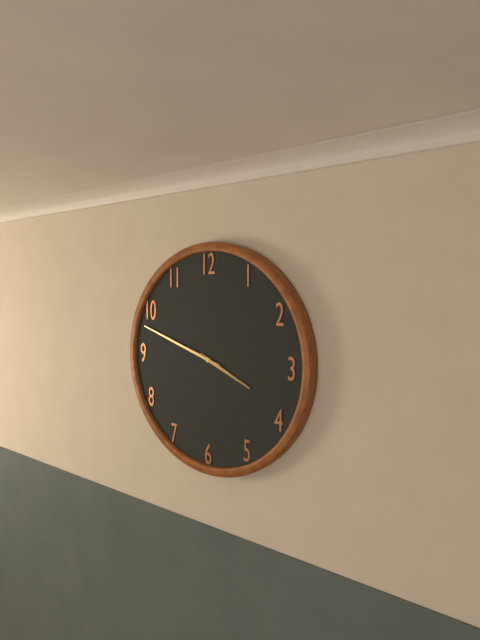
3:48
